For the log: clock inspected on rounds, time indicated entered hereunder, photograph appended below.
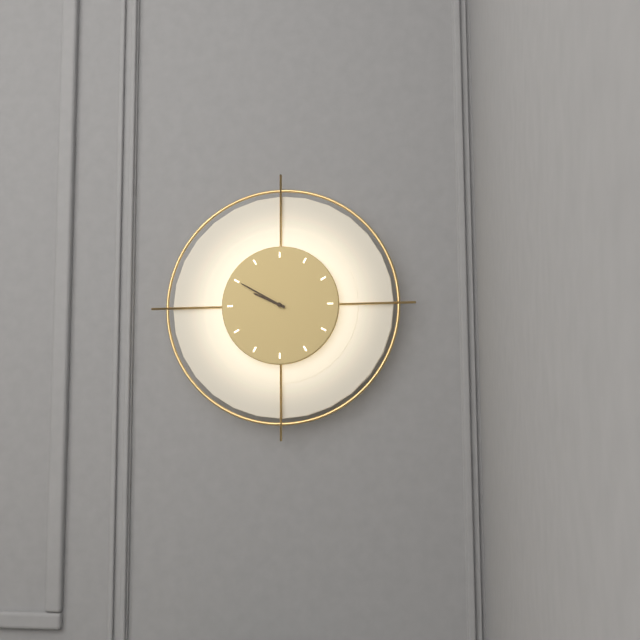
9:50
